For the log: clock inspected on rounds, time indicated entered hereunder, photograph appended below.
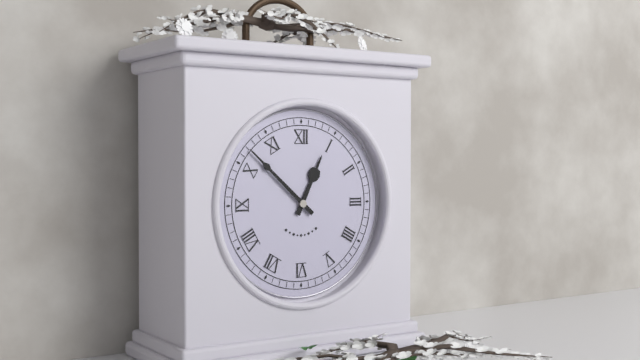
12:52
